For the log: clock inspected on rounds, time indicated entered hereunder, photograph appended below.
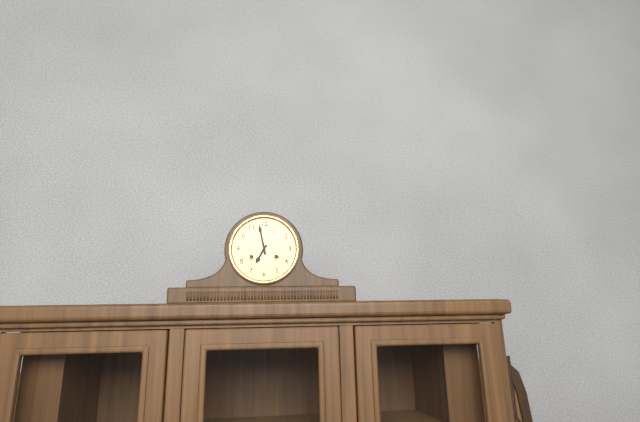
6:58
